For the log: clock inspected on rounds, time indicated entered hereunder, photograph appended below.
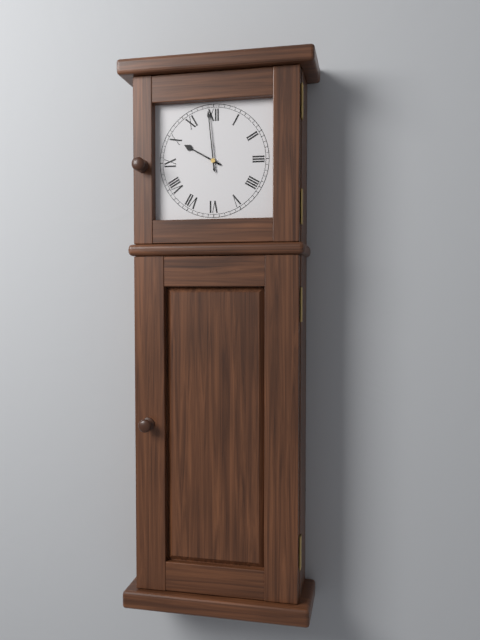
9:59
